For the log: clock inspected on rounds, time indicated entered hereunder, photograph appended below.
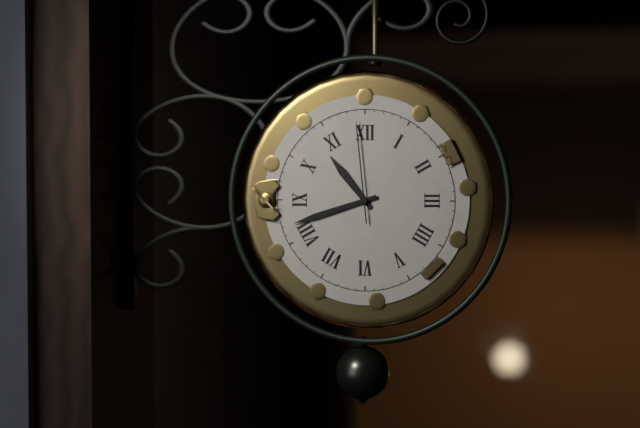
10:42:59
